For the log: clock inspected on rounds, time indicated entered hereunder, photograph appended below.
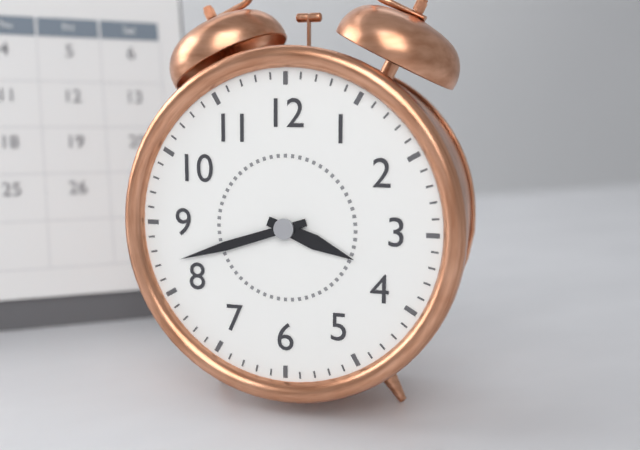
3:42
